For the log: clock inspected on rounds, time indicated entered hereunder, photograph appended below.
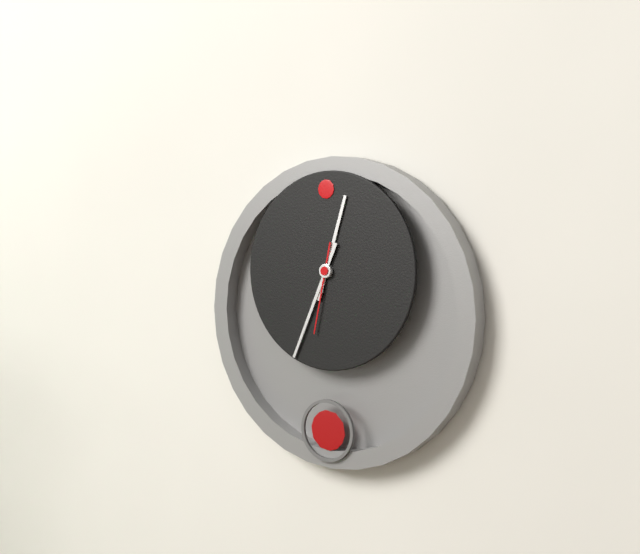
12:34:32
